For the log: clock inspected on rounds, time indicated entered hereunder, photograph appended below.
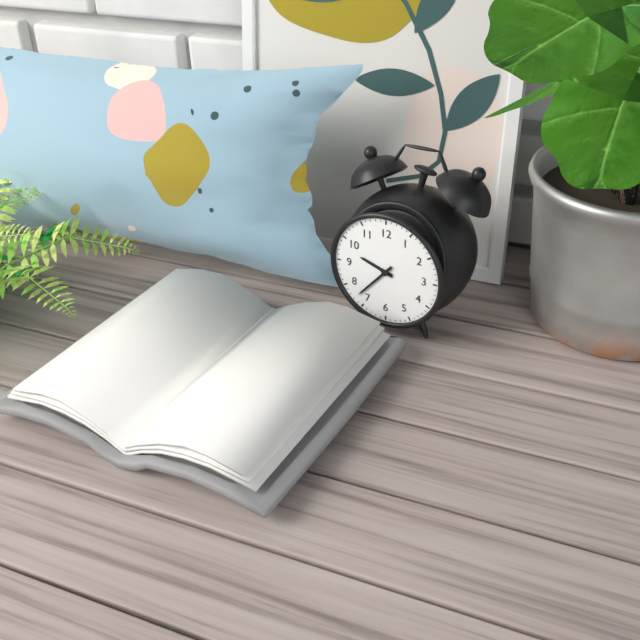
9:37
